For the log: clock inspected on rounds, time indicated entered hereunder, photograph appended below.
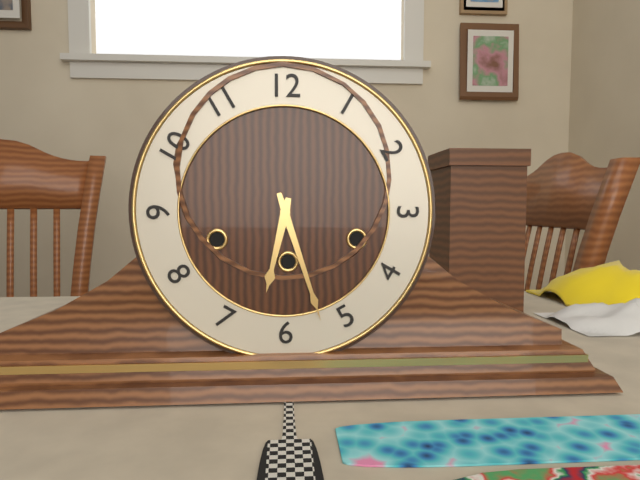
6:27
